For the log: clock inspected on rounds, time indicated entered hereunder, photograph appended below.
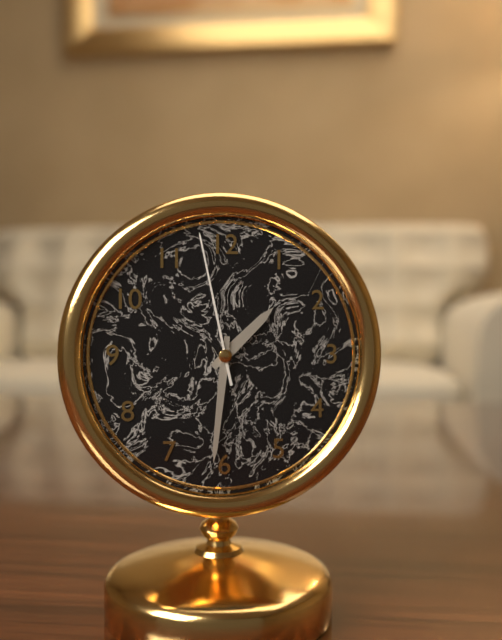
1:31:58
